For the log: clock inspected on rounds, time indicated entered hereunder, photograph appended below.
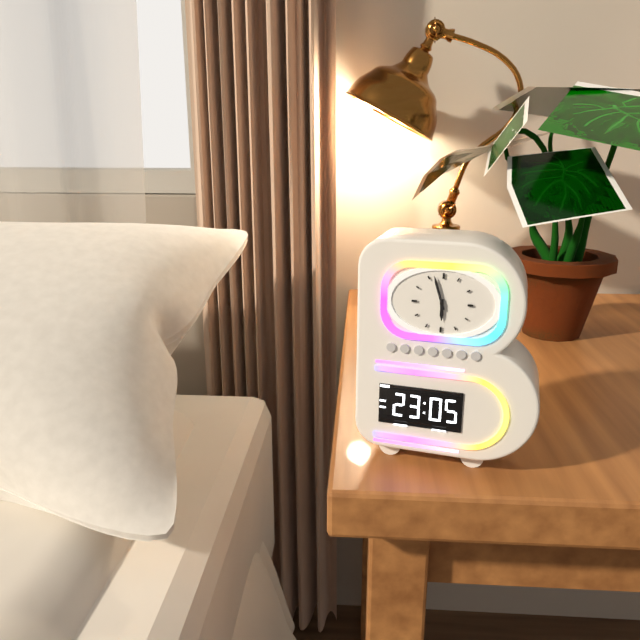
5:57
